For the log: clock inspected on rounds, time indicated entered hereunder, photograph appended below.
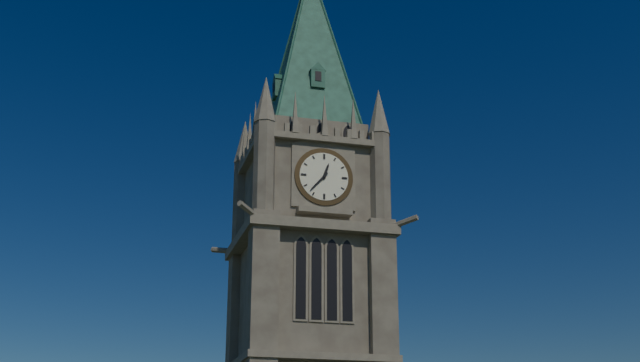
12:37
